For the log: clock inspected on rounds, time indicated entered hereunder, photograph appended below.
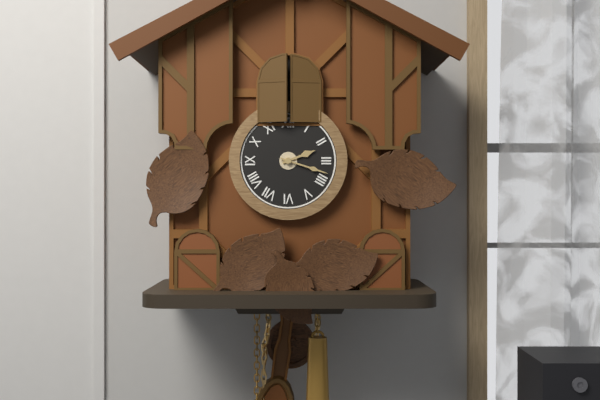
2:18
